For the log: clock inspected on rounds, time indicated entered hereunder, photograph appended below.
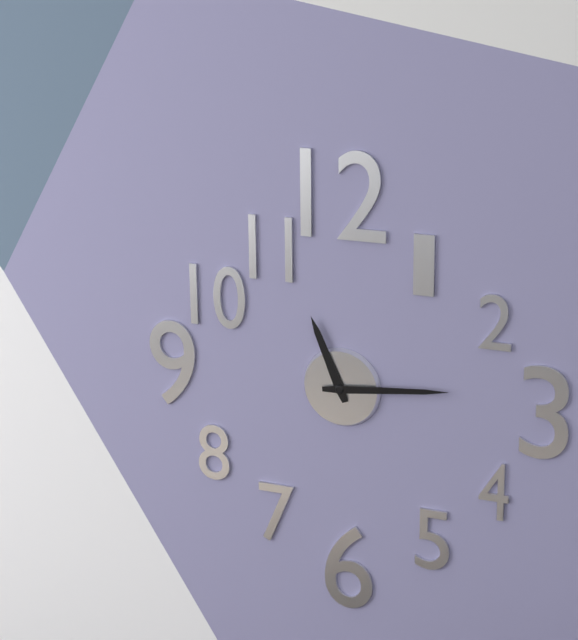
11:14
